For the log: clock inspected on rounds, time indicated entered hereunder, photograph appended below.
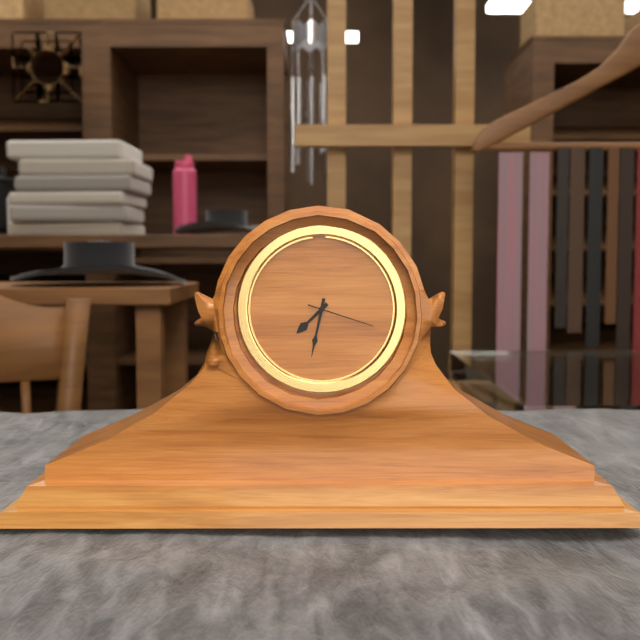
7:32:18
